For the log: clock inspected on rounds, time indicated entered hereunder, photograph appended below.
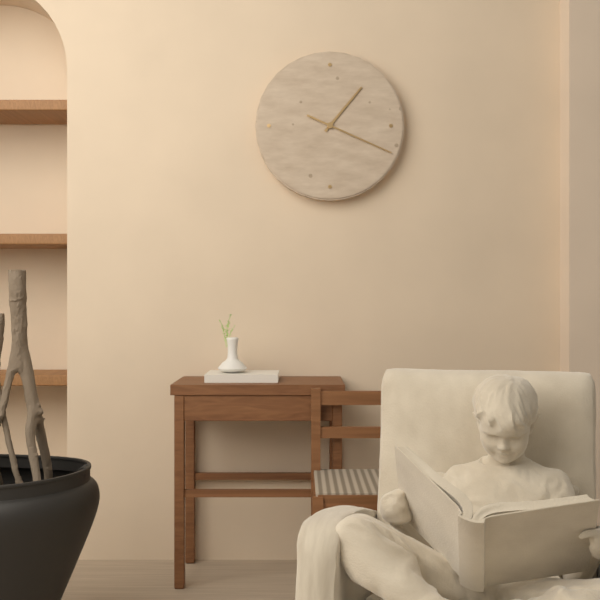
1:19
